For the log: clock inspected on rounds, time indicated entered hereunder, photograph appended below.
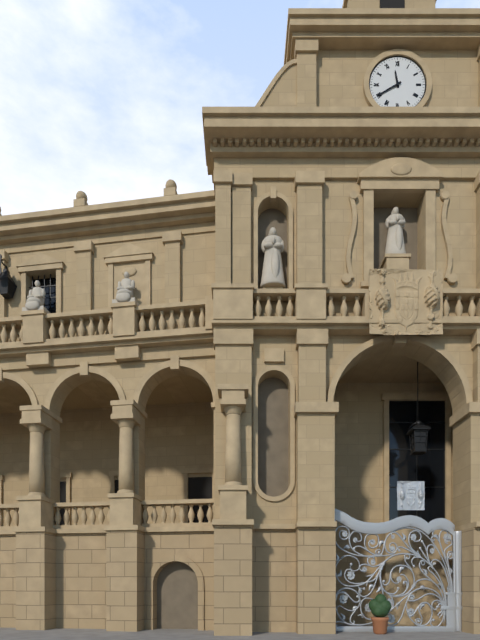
11:40
